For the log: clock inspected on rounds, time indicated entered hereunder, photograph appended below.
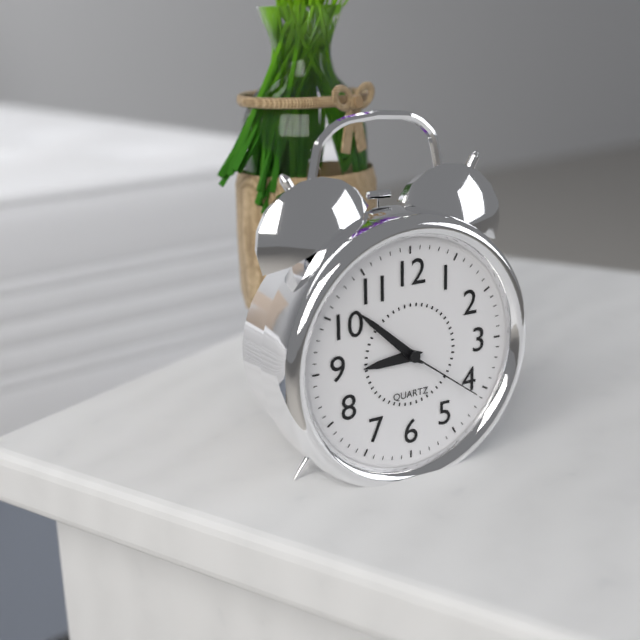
8:52:21
